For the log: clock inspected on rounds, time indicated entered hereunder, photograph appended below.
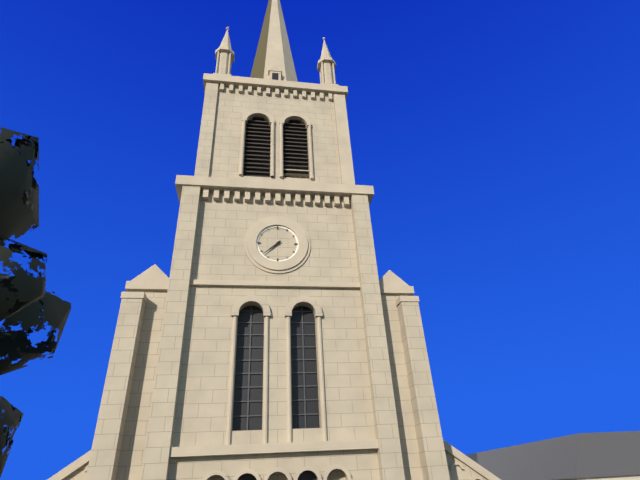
7:38
